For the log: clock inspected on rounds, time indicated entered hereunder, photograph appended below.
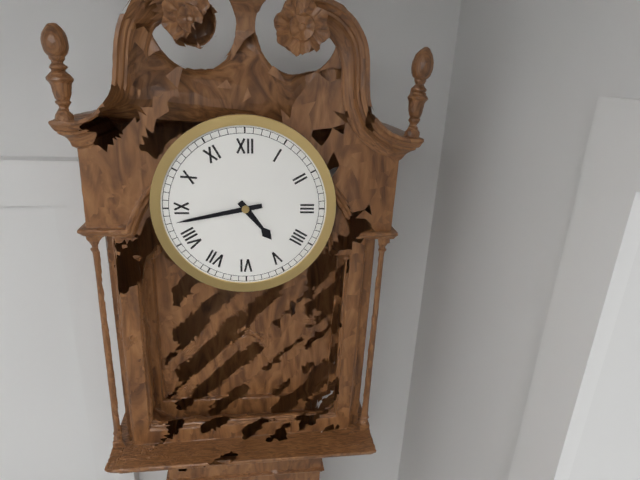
4:43
